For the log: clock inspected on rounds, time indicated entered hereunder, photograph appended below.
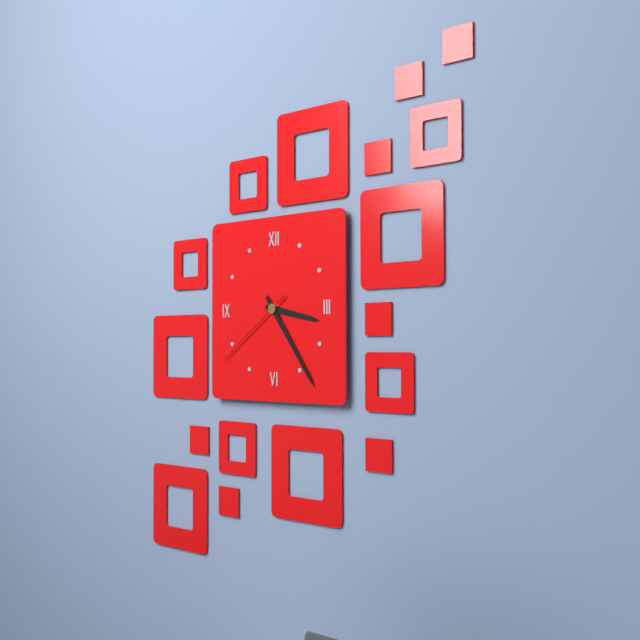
3:24:39
